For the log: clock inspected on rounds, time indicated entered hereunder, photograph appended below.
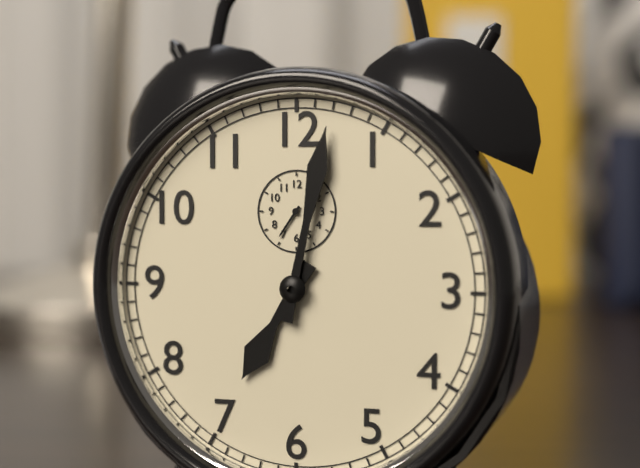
7:02
